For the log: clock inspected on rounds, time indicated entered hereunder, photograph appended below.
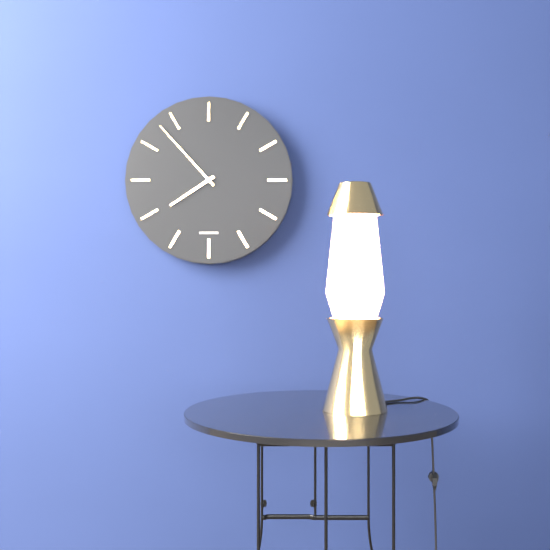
7:53
